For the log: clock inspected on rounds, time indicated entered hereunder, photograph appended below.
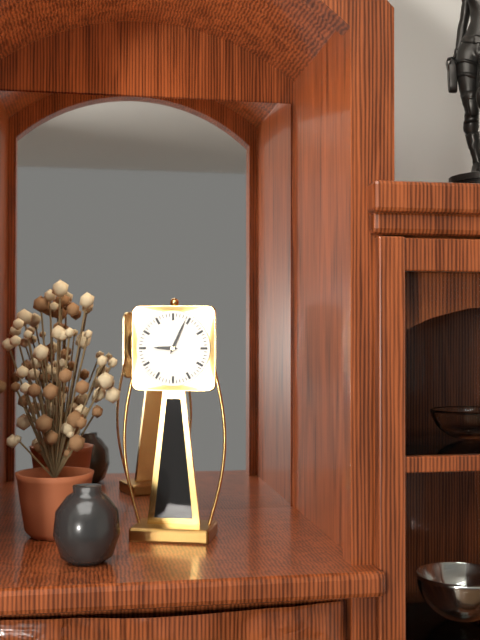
9:04
